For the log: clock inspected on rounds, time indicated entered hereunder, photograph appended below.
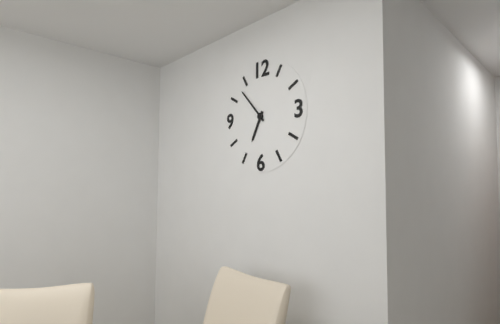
6:53
